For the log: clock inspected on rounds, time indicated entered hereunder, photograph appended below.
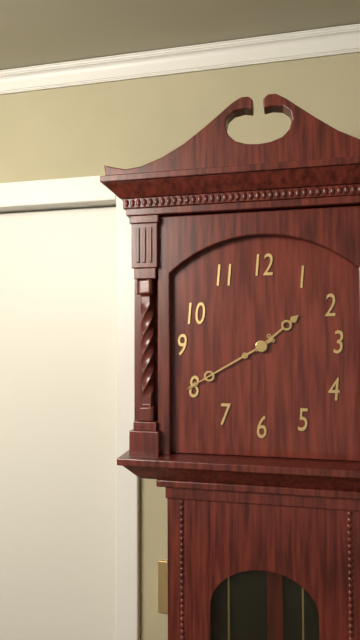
1:40
